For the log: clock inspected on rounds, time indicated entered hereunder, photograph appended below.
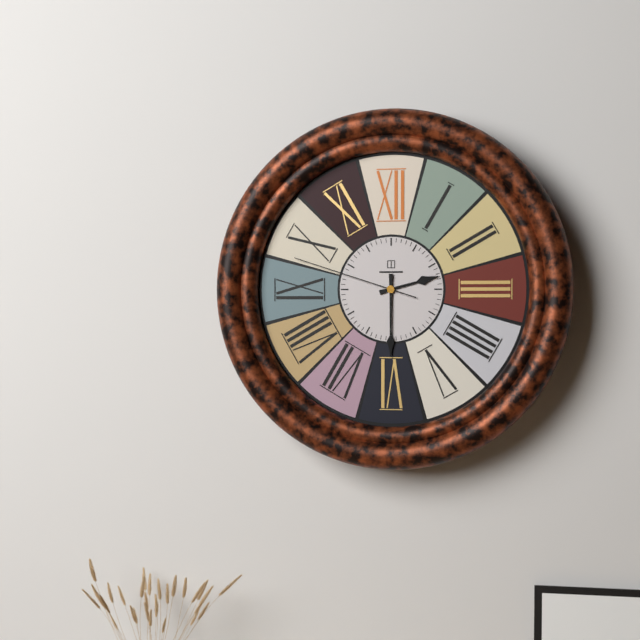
2:30:48
